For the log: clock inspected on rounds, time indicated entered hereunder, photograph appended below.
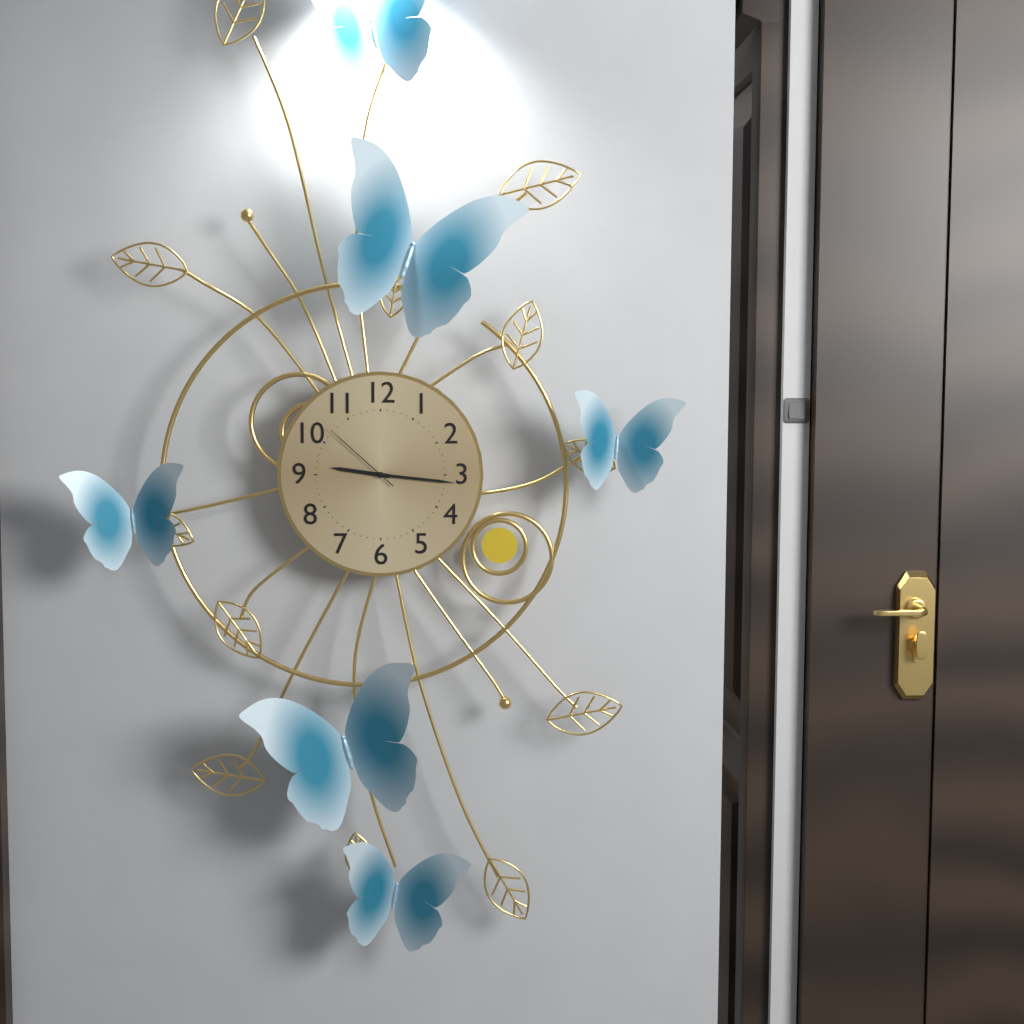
9:16:52
